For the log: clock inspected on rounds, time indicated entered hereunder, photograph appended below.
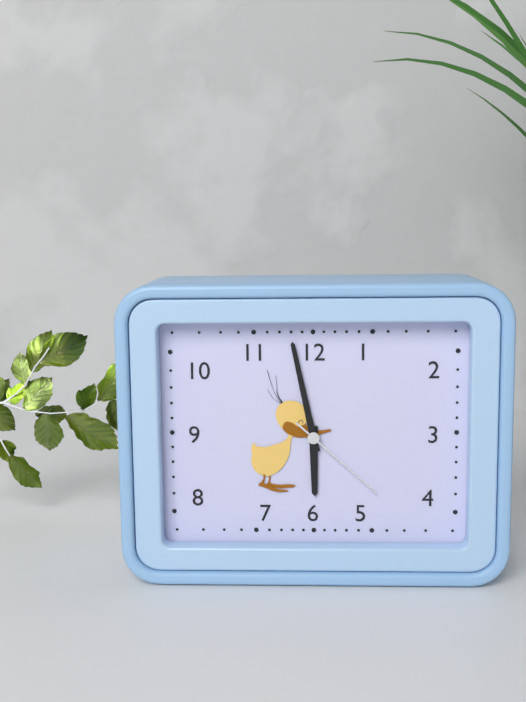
5:58:22
